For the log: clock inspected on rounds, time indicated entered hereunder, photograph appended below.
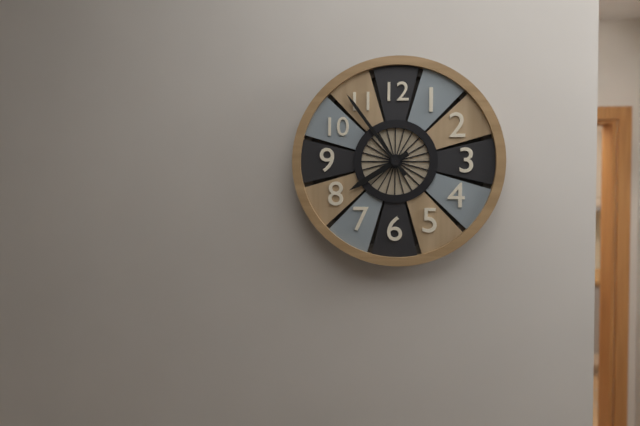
7:54
